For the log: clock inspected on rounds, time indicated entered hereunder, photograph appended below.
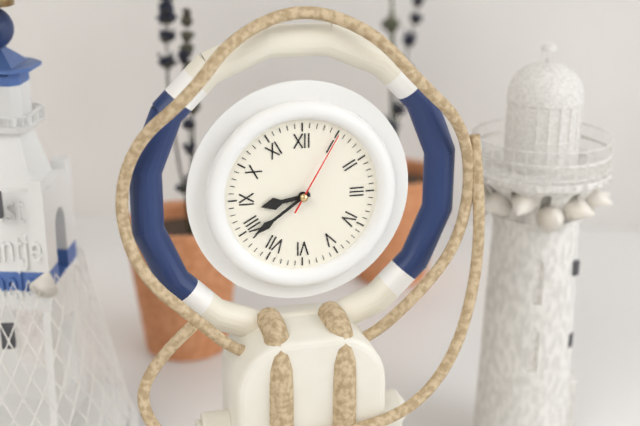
8:39:05
